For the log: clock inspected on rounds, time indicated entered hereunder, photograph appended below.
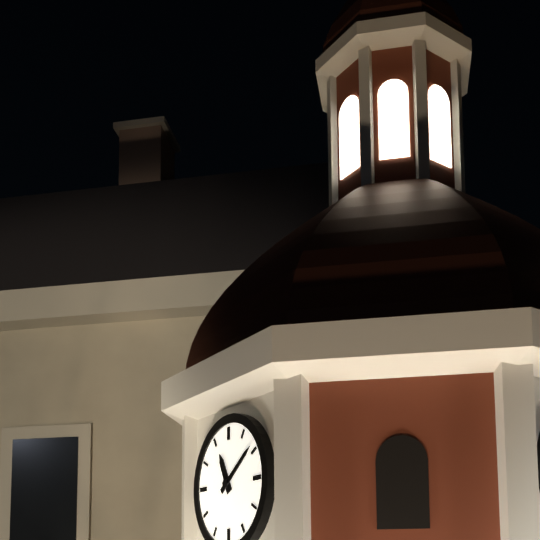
11:09
